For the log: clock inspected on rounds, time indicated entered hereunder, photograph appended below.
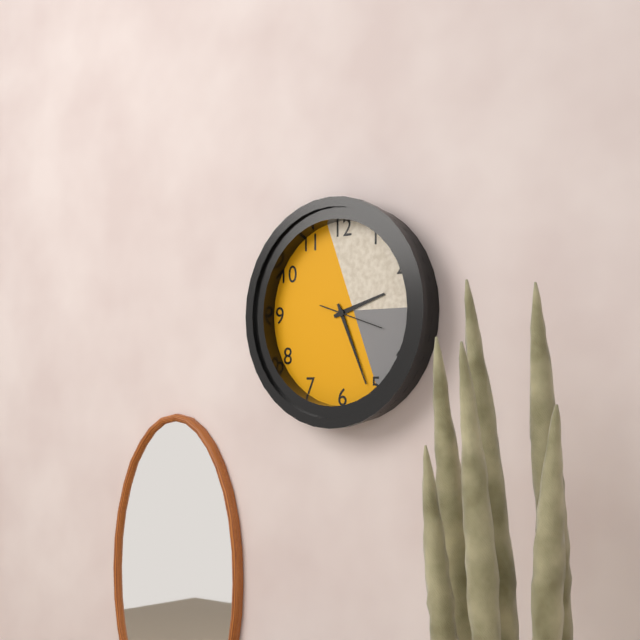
2:26:18
